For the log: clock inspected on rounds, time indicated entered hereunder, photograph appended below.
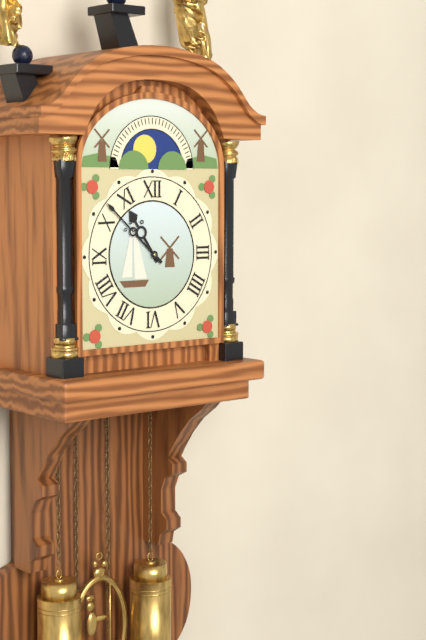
10:52
